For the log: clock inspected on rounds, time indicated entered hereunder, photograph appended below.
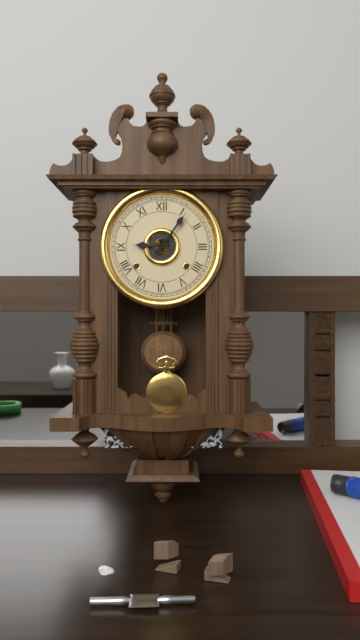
9:06
